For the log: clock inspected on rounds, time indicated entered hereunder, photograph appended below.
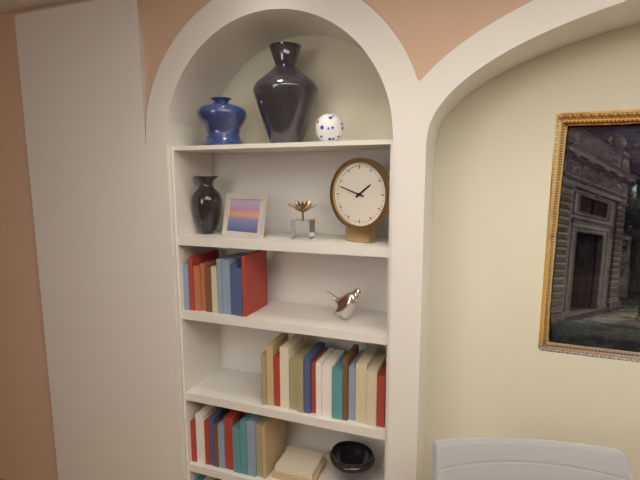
1:48
